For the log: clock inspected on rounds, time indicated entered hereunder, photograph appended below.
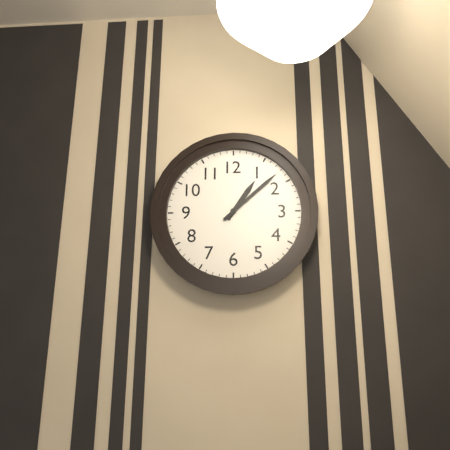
1:08
